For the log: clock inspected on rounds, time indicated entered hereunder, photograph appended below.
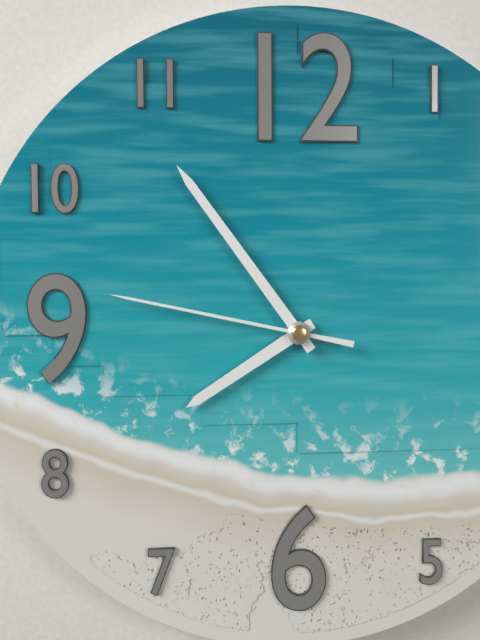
7:54:47
